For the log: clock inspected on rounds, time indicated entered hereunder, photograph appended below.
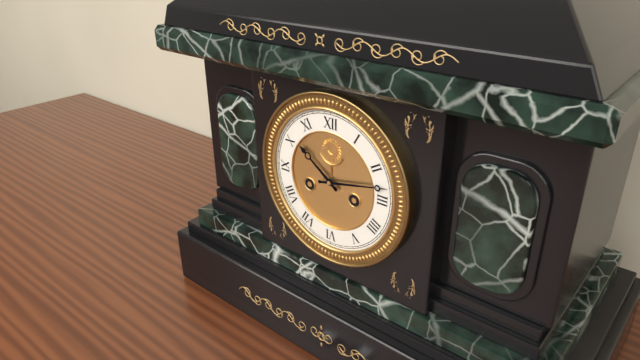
10:13
